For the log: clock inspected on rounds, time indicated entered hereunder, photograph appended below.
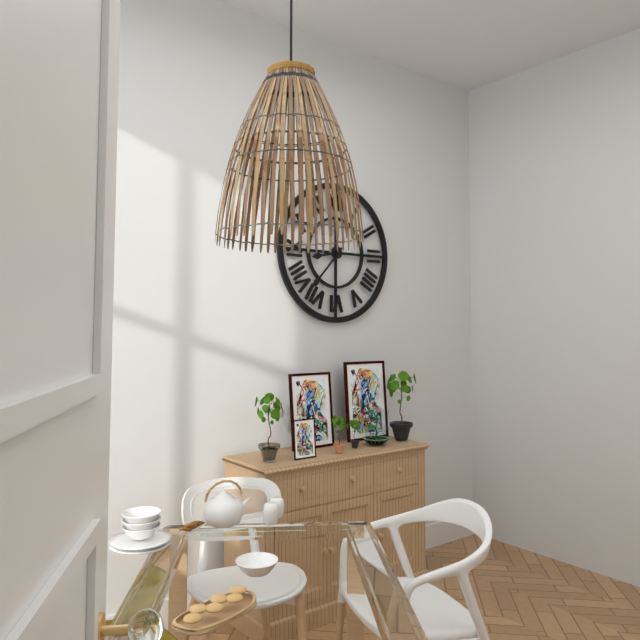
8:37
